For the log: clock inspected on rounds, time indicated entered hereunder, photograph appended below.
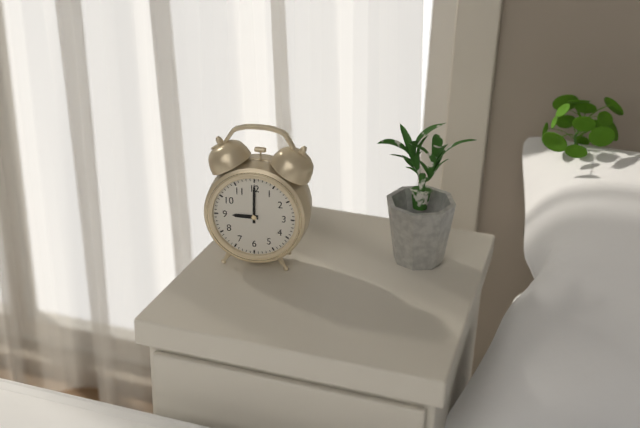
9:00
